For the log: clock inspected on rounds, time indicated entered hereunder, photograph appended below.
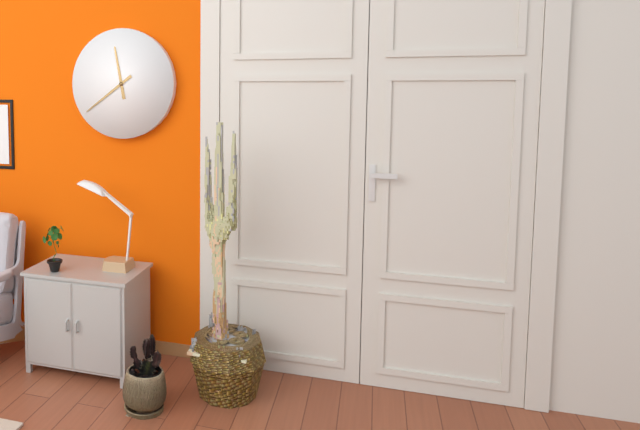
11:39
